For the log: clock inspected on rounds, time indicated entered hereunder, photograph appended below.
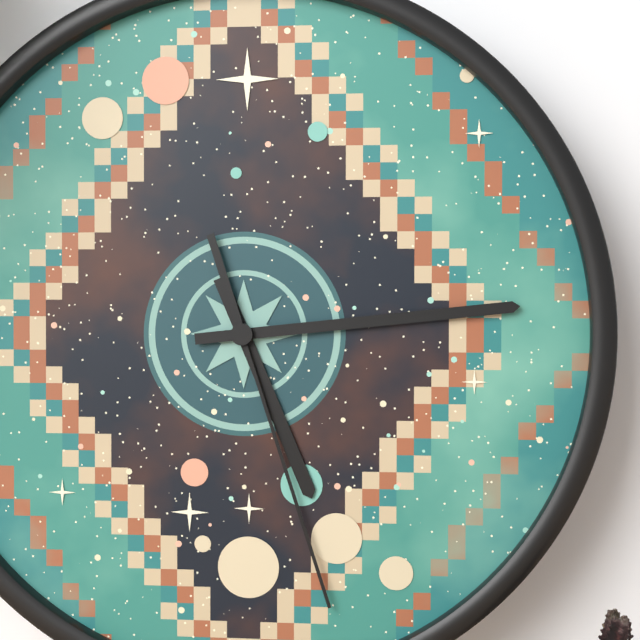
5:14:27
